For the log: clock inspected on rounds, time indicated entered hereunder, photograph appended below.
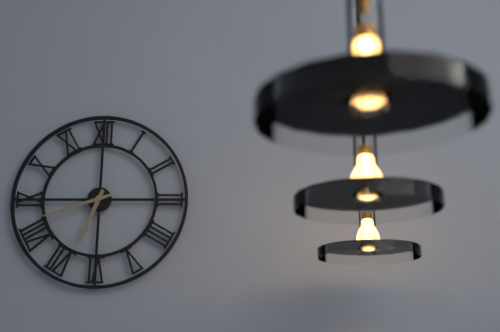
6:42
